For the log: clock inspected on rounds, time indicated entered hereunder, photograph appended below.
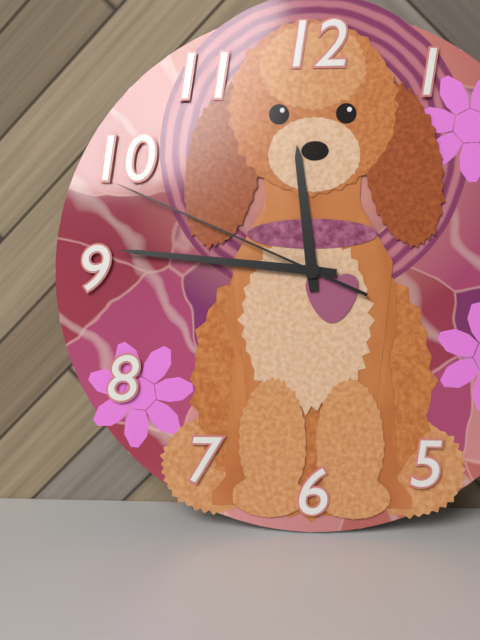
11:46:49
